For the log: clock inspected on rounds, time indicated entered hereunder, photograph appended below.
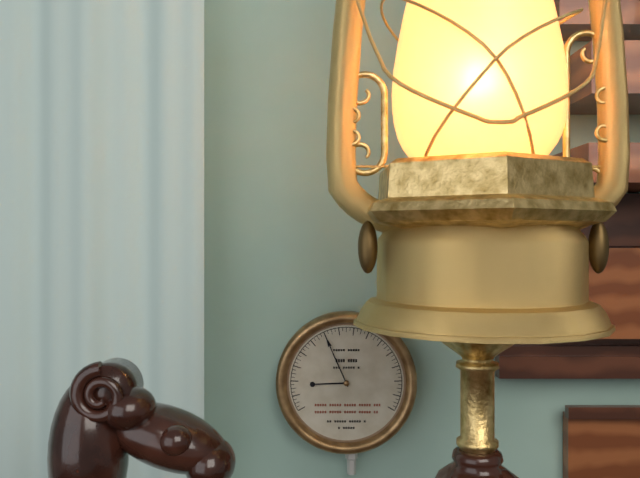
8:56
